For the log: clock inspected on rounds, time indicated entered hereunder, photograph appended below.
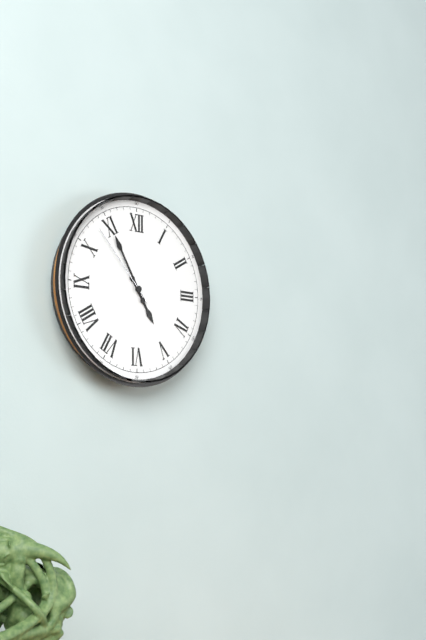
4:55:53
